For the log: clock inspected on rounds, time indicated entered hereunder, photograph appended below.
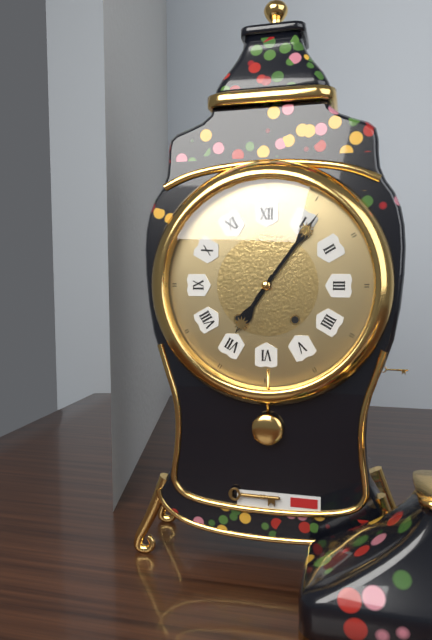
7:06
